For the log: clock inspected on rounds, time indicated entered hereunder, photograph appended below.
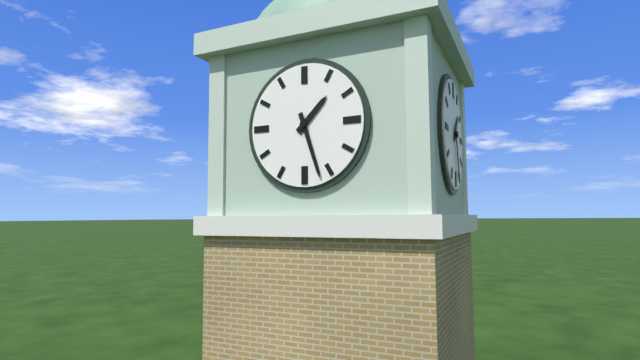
1:27
